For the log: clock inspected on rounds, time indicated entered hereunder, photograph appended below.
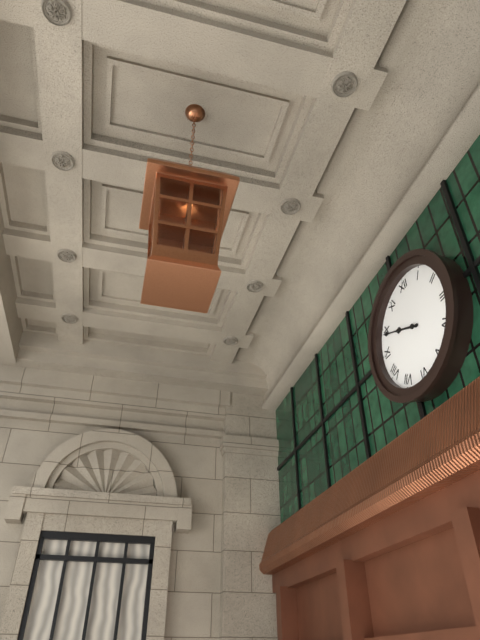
9:49
